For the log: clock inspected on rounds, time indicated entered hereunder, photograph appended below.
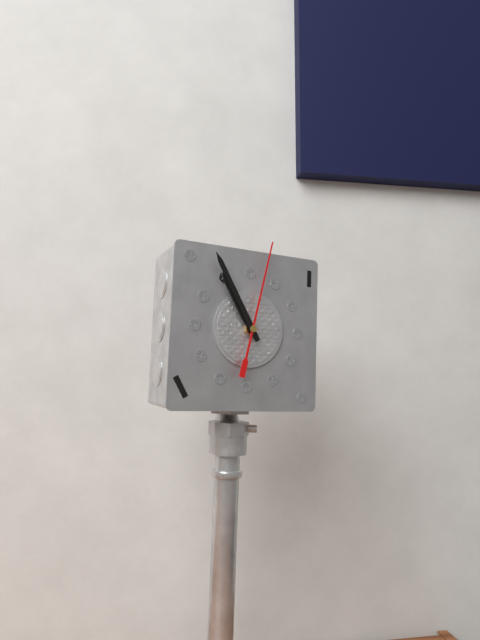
10:55:02
